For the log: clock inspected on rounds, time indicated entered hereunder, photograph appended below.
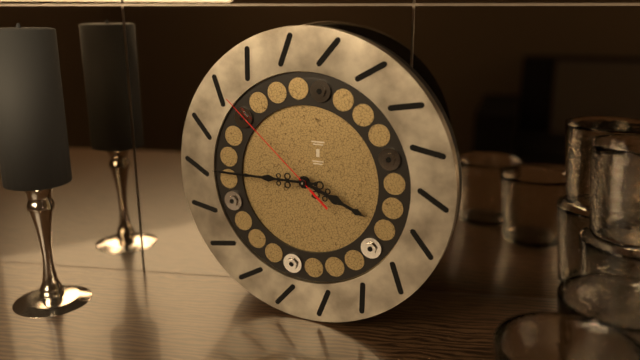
3:45:52
